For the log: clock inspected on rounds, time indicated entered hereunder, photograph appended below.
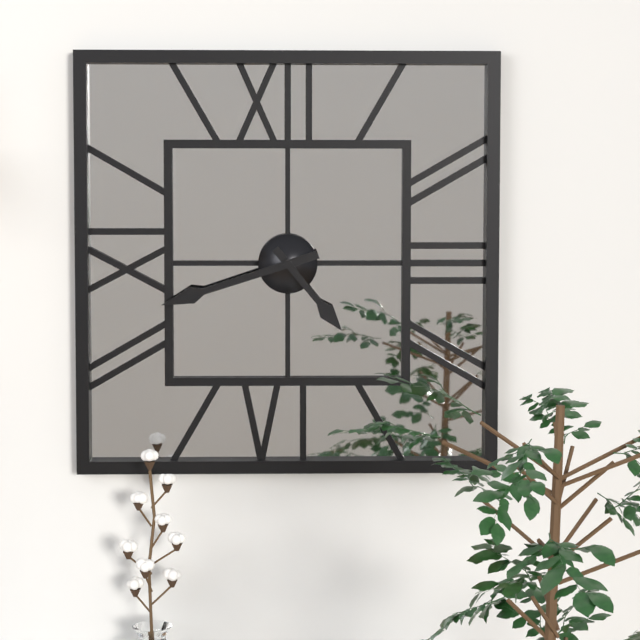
4:42
